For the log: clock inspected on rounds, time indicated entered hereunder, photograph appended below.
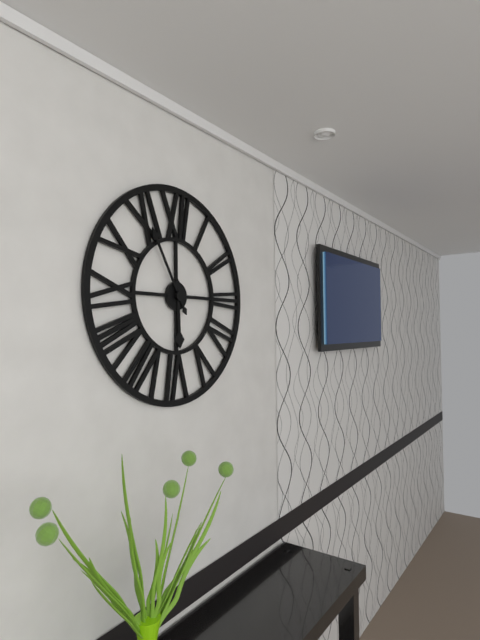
5:55
